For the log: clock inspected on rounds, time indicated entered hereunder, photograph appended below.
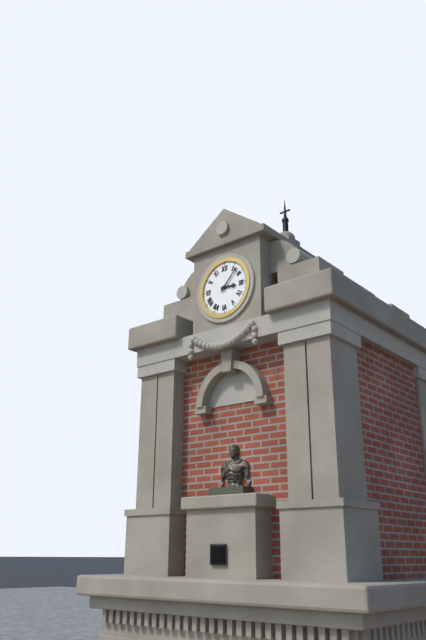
3:07
